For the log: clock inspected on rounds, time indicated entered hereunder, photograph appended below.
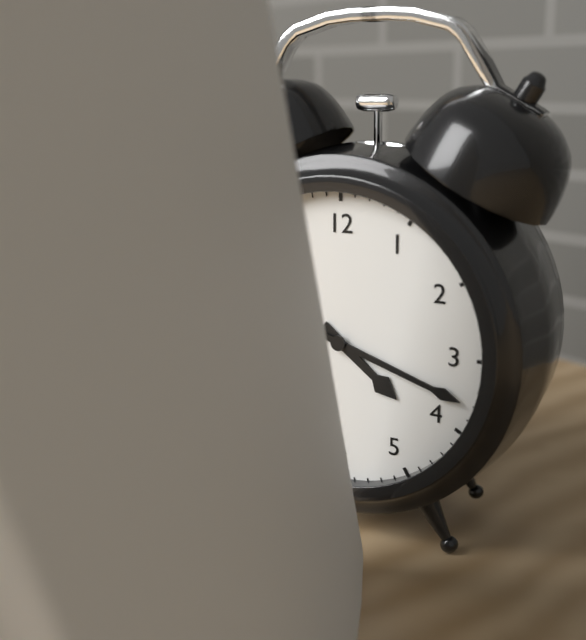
4:18
